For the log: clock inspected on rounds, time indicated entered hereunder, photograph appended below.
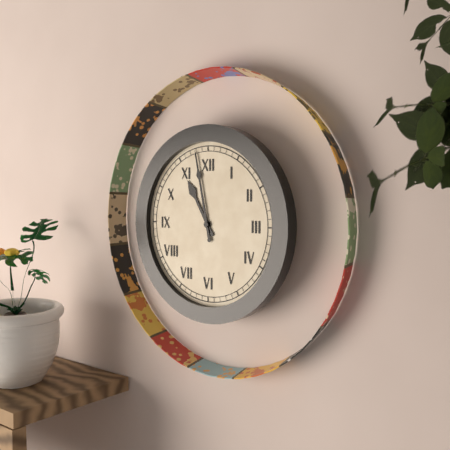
10:58
